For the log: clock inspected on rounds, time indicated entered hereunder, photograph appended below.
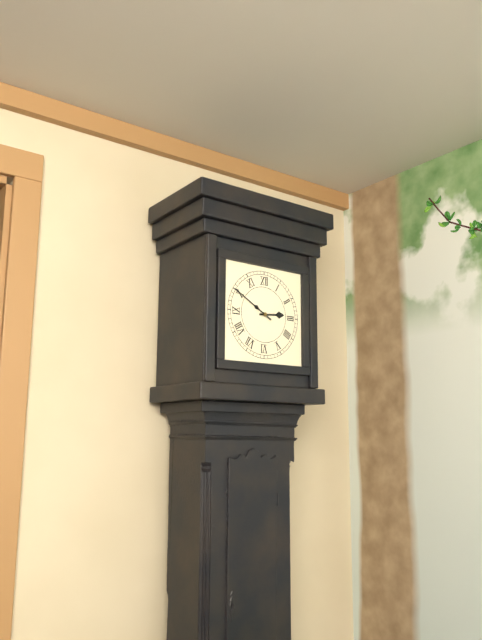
2:50
